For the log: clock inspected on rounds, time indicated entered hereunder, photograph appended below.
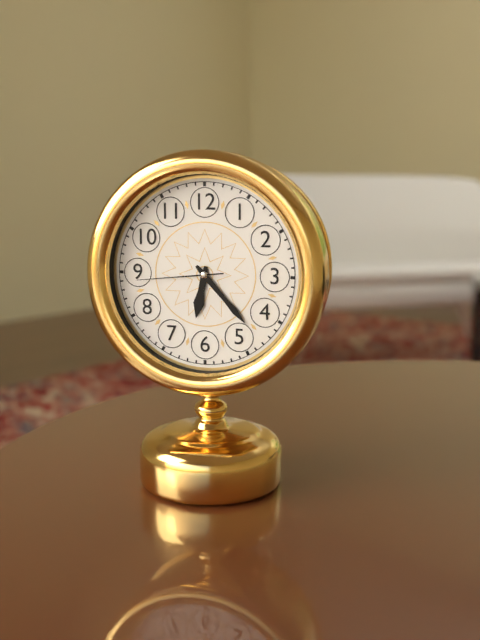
6:23:44
